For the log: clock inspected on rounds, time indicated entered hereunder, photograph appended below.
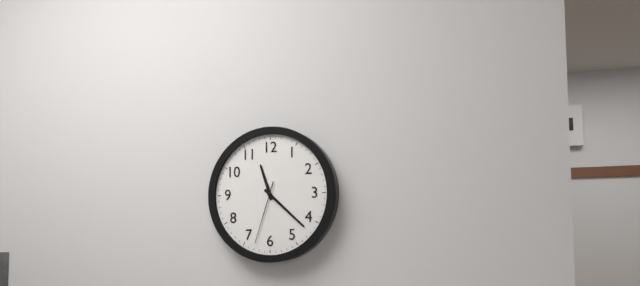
11:22:33
